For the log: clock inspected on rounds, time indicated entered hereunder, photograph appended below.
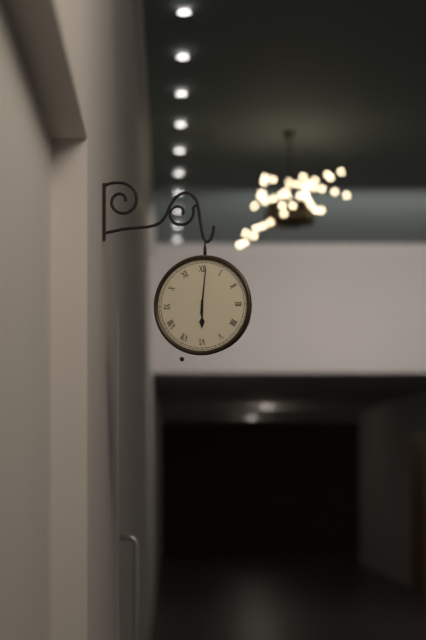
6:01
